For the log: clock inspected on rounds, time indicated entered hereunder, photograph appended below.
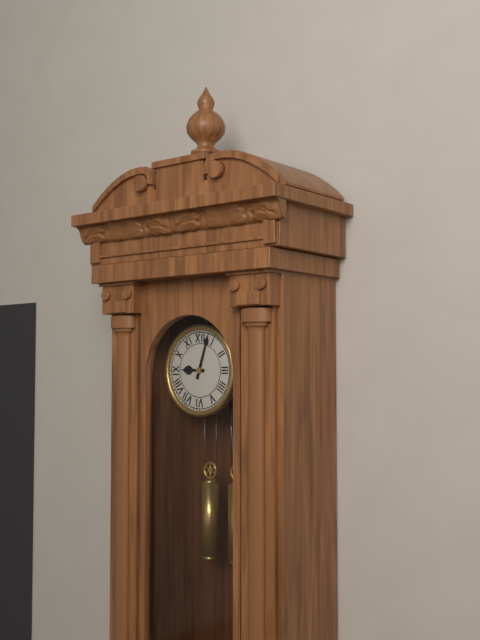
9:03
